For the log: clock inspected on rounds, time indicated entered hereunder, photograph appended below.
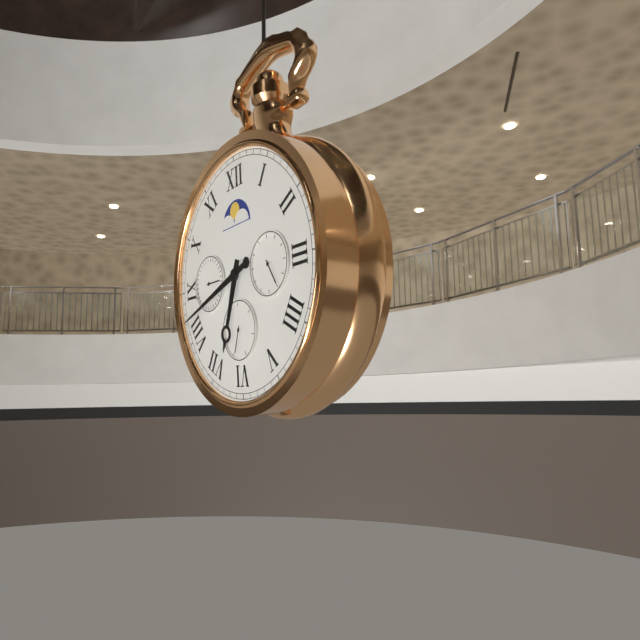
6:42
